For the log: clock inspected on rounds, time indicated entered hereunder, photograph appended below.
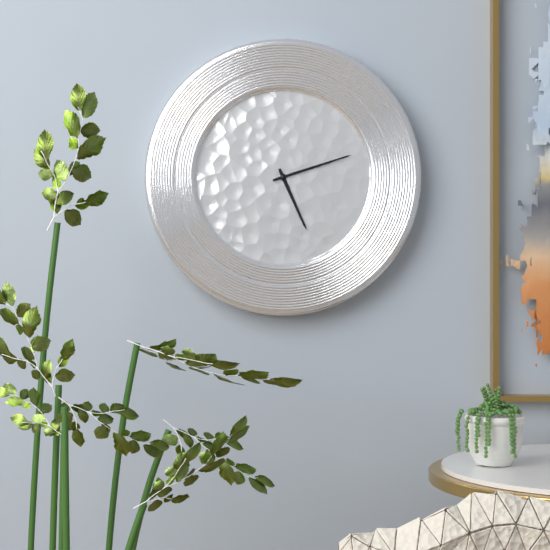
5:12
